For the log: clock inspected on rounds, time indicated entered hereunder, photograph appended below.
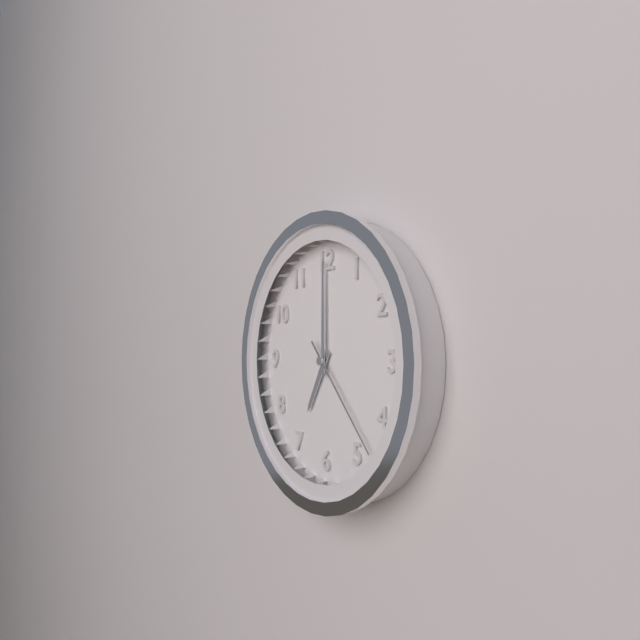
7:00:23
